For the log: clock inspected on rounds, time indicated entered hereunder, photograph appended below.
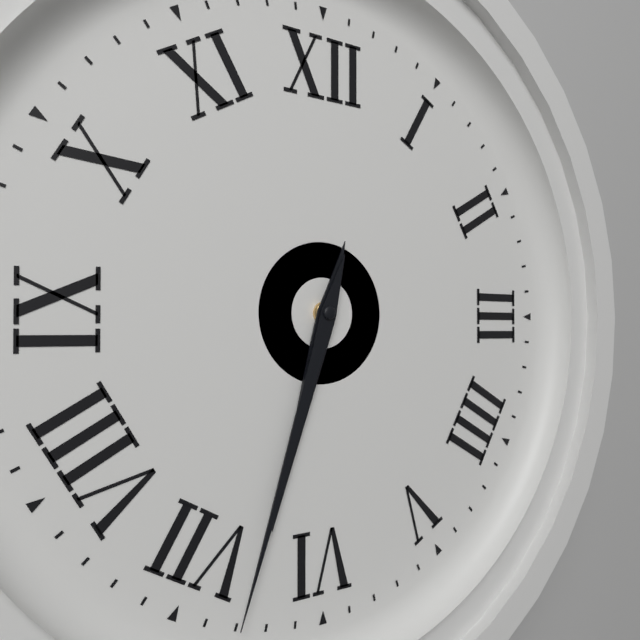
6:33
